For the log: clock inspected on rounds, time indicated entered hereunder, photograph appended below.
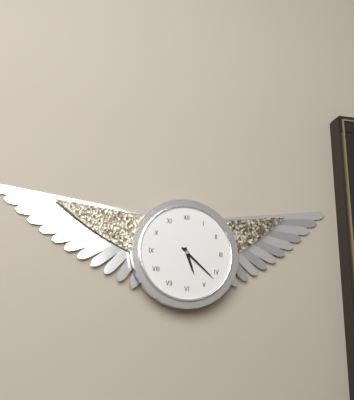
5:22
